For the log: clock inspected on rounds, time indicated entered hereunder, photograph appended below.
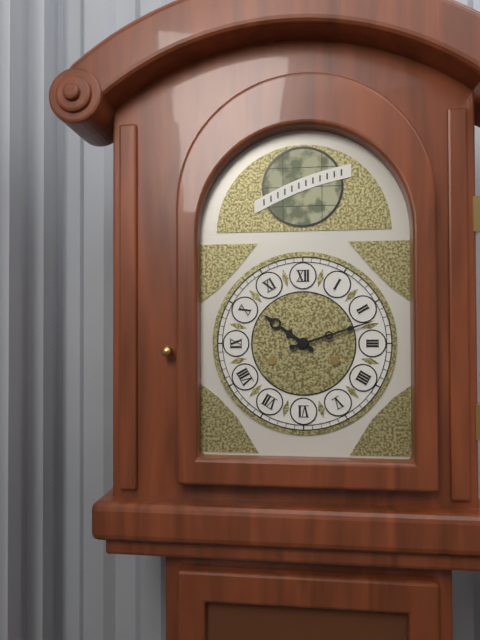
10:12
